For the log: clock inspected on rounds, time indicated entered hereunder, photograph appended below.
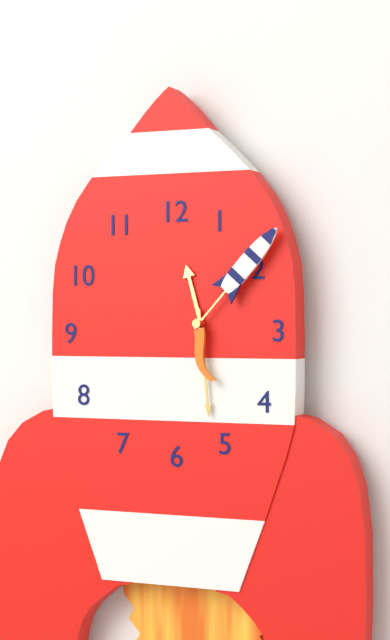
11:29:07
